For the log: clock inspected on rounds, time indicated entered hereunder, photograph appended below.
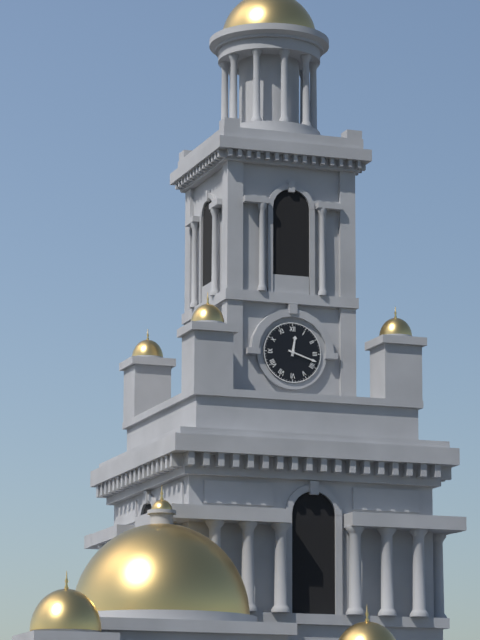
12:18
